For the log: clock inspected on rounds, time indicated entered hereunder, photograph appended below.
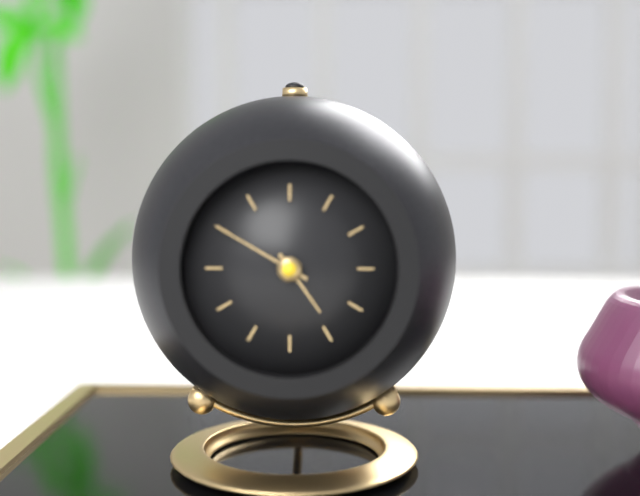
4:50
